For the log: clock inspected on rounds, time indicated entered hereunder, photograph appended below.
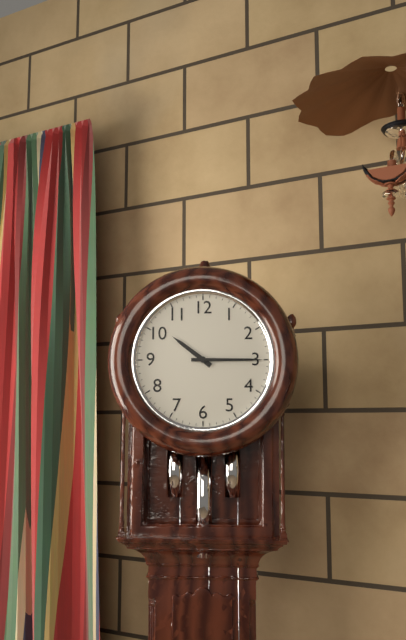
10:15
